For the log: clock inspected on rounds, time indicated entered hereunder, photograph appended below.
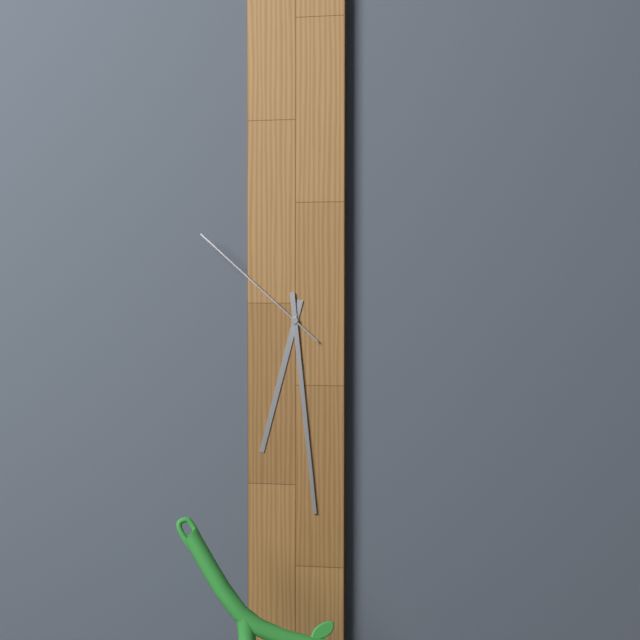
6:29:52
